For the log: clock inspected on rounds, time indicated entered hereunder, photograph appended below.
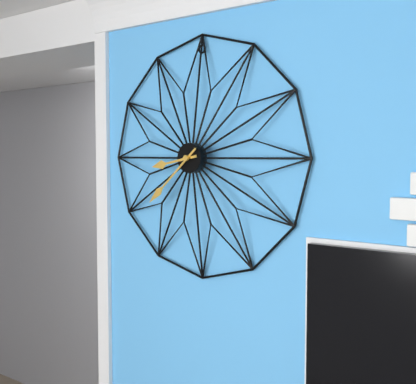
8:38
